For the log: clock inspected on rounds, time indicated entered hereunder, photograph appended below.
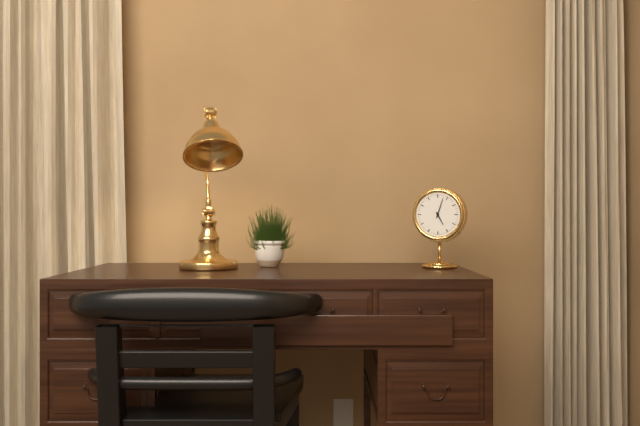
5:03
